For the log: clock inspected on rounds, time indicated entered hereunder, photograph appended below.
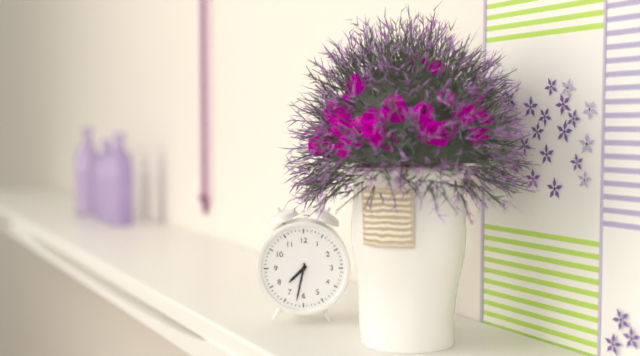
7:32
